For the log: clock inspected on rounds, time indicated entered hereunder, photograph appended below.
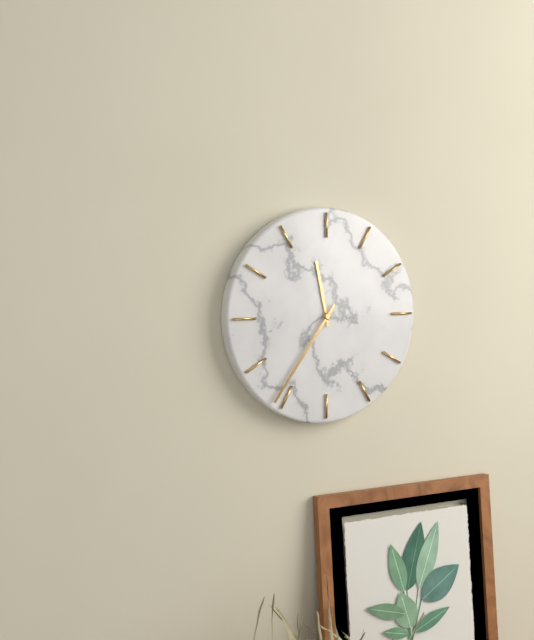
11:36
